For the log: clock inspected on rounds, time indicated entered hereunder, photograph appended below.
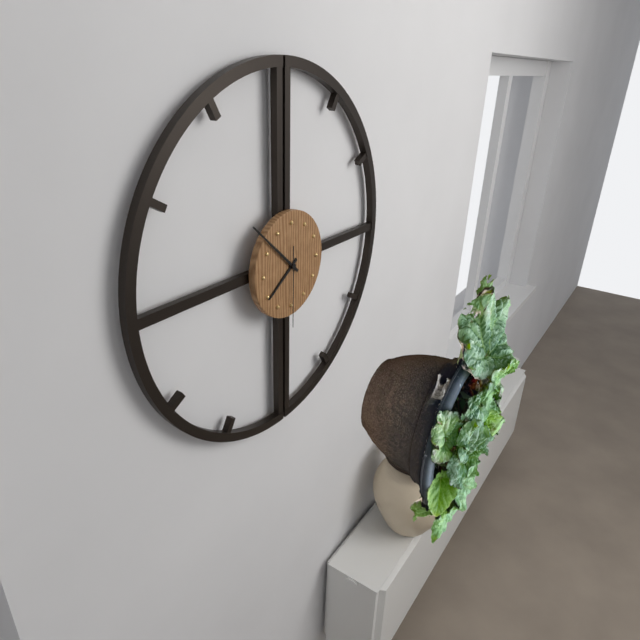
7:52:30
